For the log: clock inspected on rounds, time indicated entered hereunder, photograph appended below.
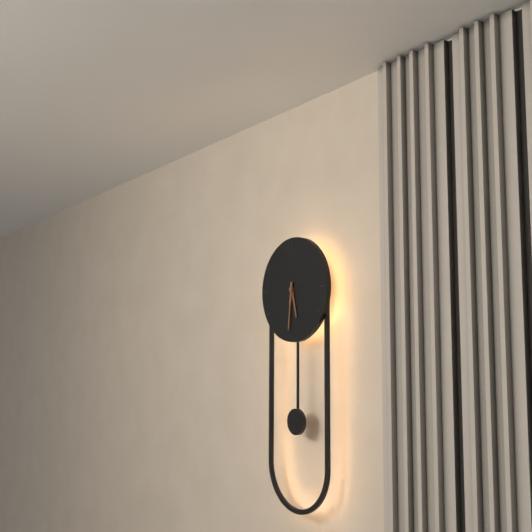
5:31
